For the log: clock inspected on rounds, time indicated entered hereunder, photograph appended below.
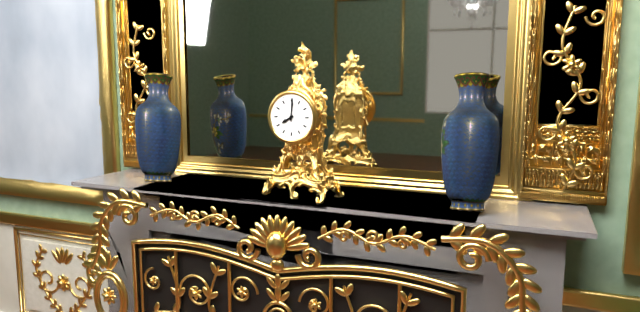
8:01
